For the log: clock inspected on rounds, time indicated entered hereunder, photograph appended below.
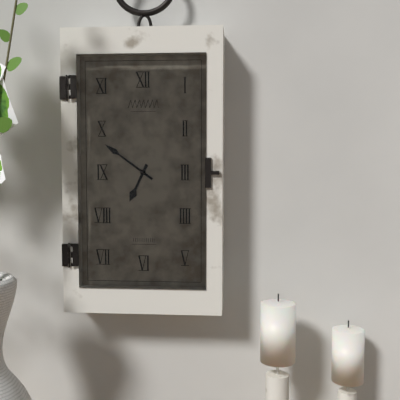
6:51
